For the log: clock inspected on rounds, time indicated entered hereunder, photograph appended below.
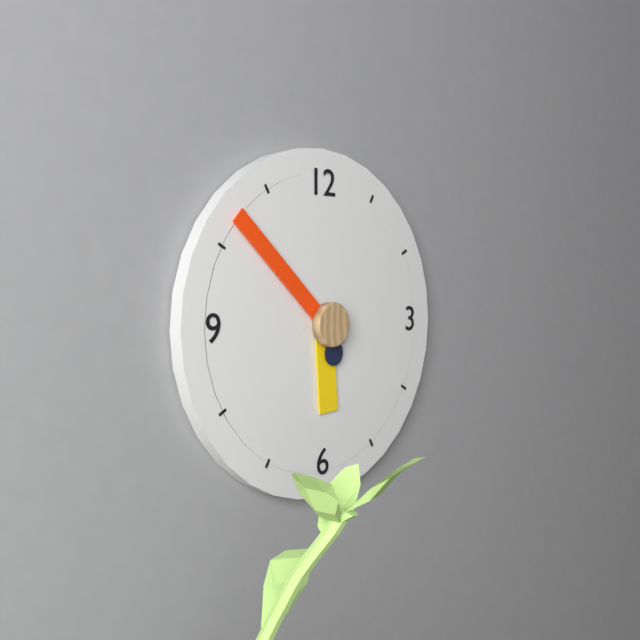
5:52:27
